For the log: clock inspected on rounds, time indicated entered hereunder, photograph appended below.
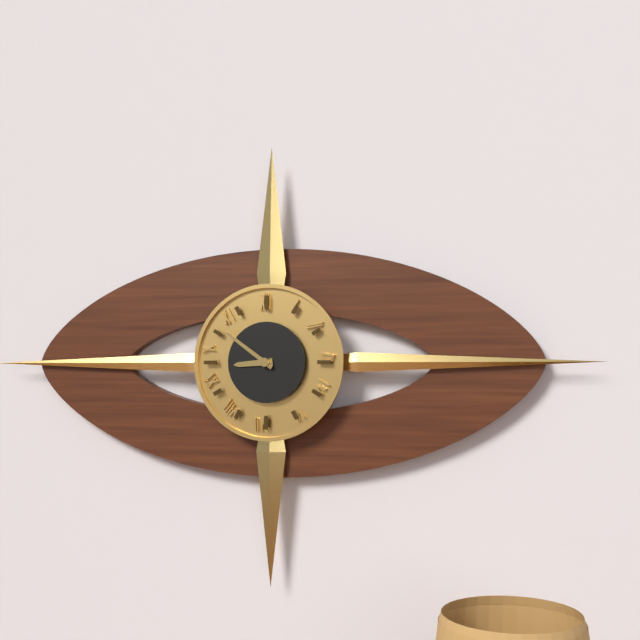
8:51
